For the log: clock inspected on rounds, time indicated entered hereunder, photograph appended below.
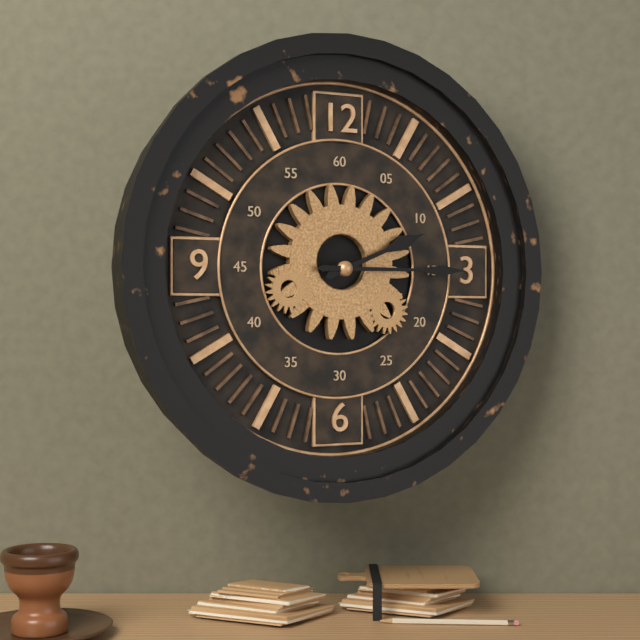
2:15
